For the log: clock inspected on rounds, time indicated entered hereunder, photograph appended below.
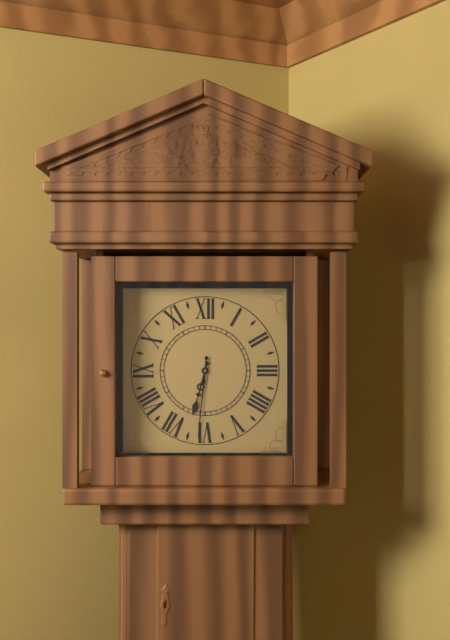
6:31
